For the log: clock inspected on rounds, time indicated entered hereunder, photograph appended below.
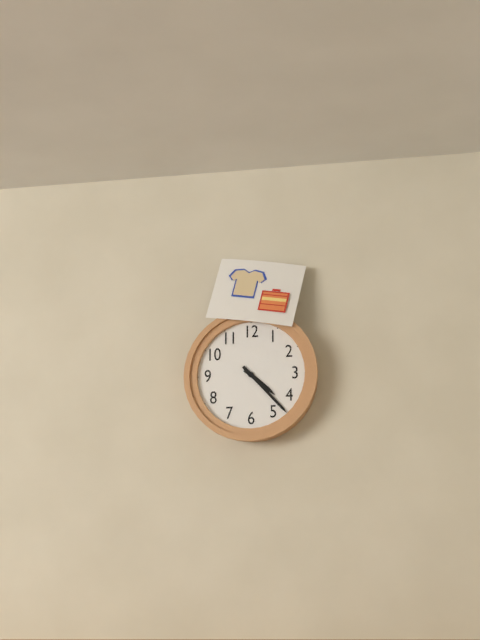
4:23
